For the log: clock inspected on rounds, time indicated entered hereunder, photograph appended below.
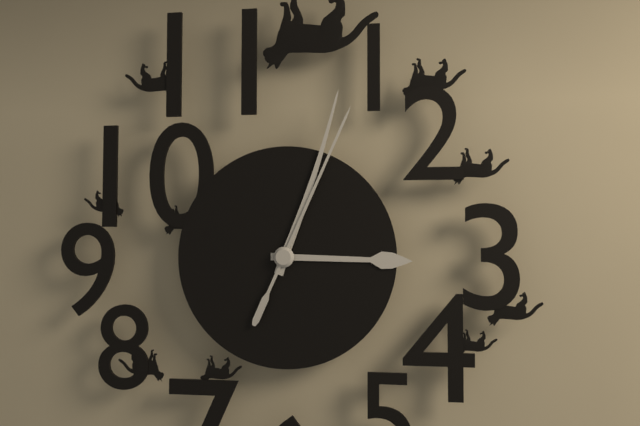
3:03:04
